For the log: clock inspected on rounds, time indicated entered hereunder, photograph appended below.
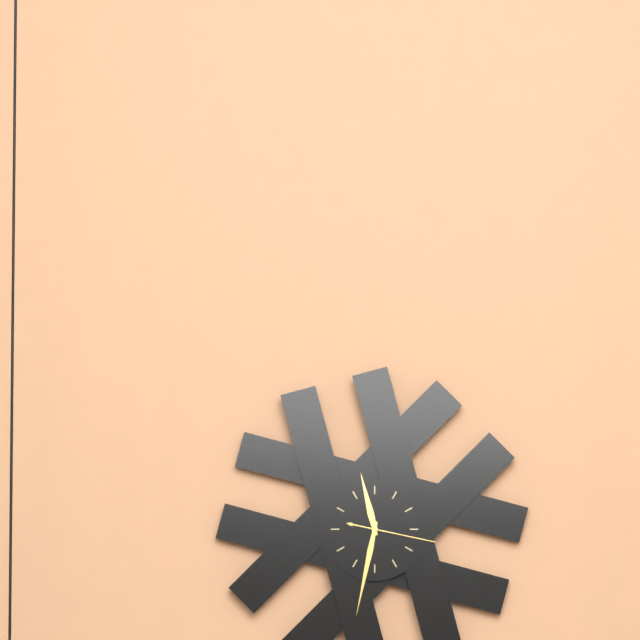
11:32:17
